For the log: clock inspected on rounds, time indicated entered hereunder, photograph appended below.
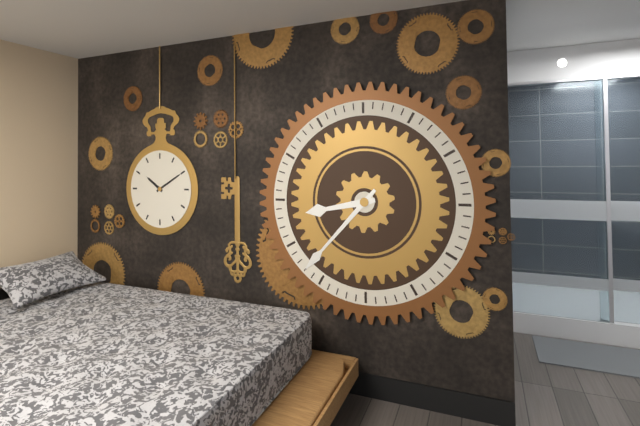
8:37
